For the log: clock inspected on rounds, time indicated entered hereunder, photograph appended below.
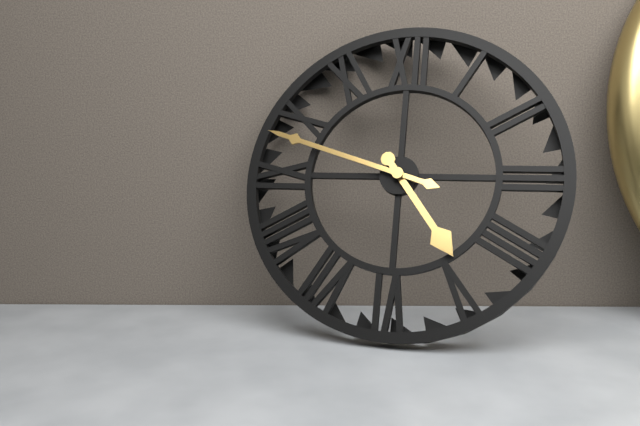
4:48
